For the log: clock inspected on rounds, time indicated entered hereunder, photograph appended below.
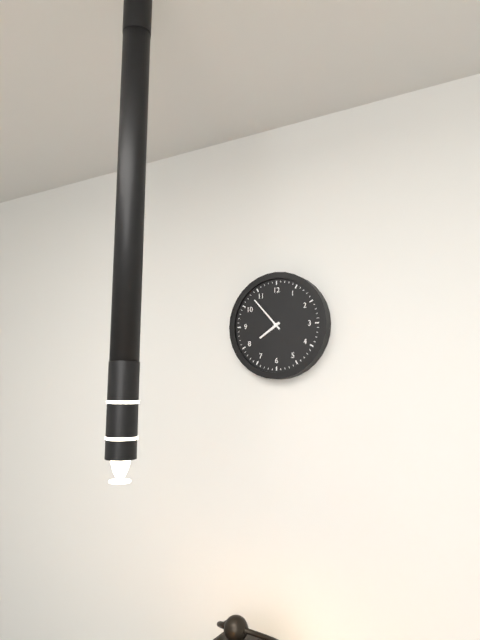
7:53
